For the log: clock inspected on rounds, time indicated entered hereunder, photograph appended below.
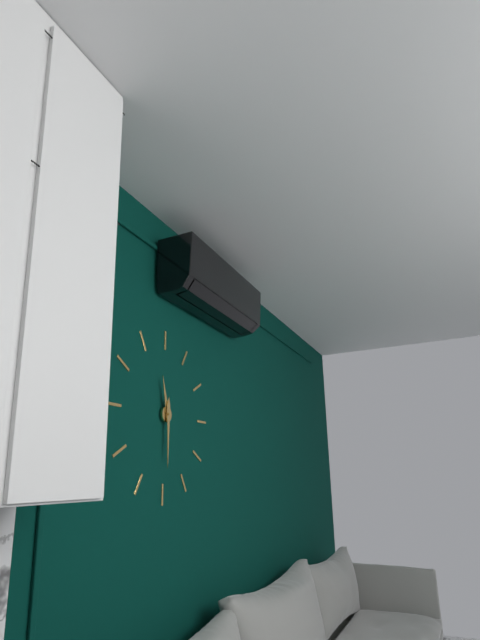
11:30
